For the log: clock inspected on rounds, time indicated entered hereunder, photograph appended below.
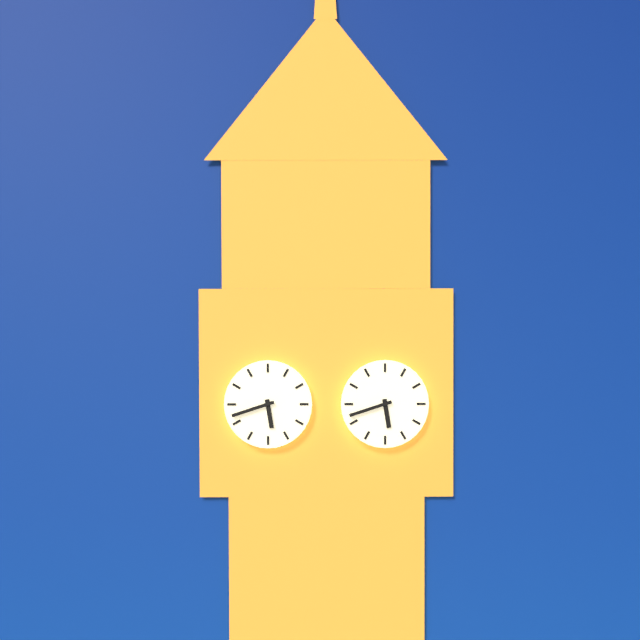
5:42
